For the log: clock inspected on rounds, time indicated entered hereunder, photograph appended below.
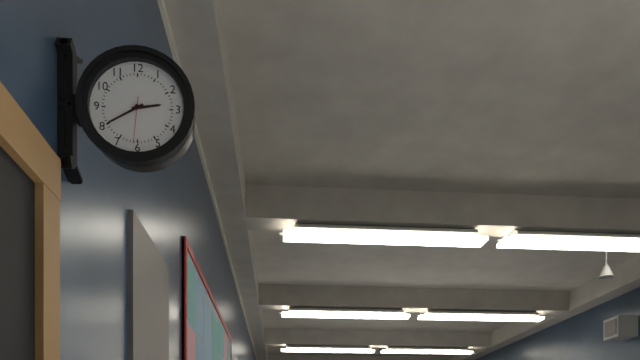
2:40
